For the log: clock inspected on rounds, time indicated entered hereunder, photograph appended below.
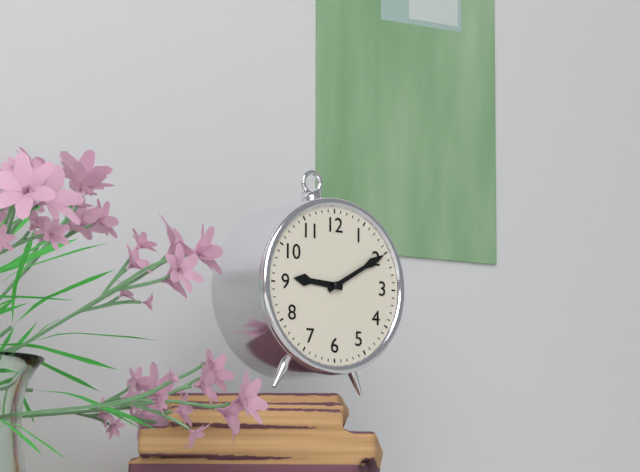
9:10
